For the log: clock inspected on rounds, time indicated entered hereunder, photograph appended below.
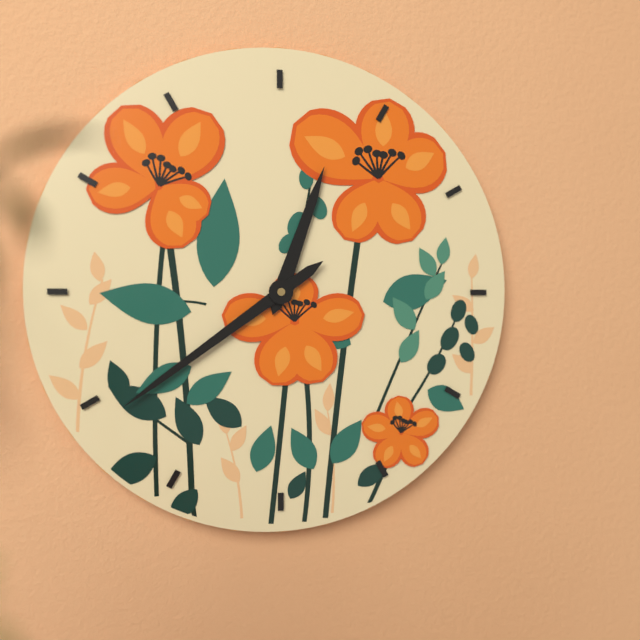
12:39
